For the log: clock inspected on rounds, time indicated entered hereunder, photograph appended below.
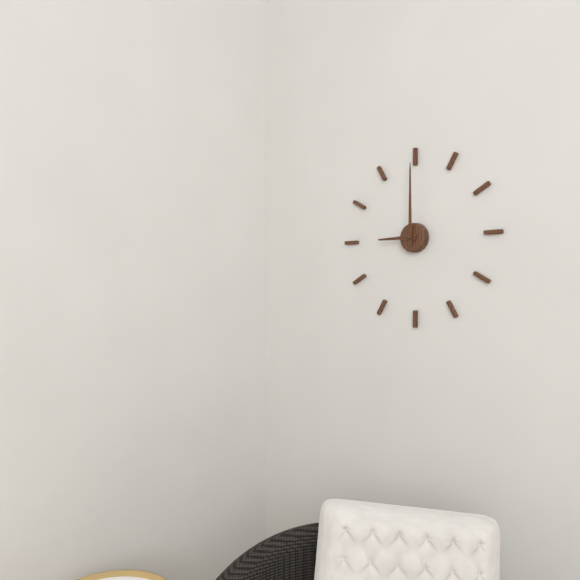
9:00
